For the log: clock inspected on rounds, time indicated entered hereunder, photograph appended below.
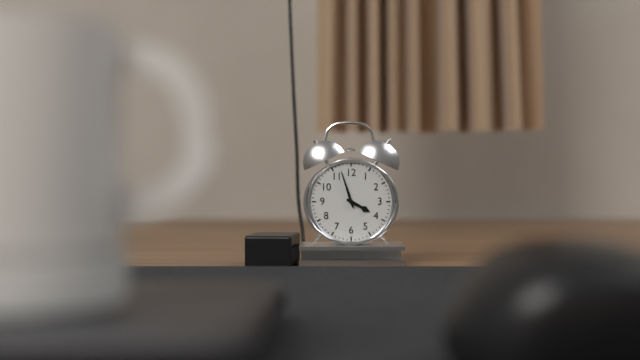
3:57
